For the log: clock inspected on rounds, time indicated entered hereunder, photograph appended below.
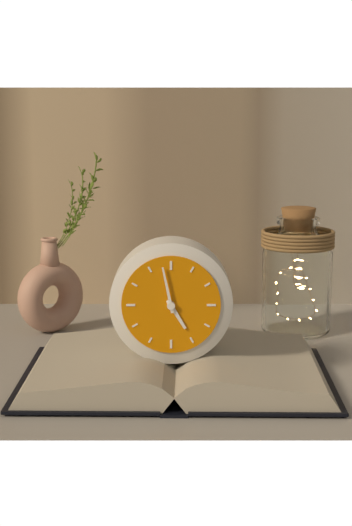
4:58
